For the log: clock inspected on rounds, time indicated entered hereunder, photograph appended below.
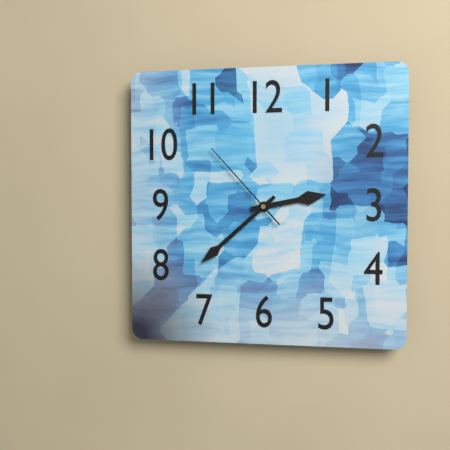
2:38:53
